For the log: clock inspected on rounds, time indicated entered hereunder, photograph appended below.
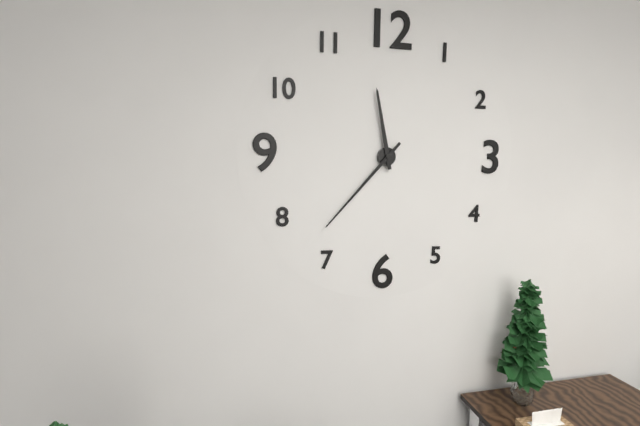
11:37
